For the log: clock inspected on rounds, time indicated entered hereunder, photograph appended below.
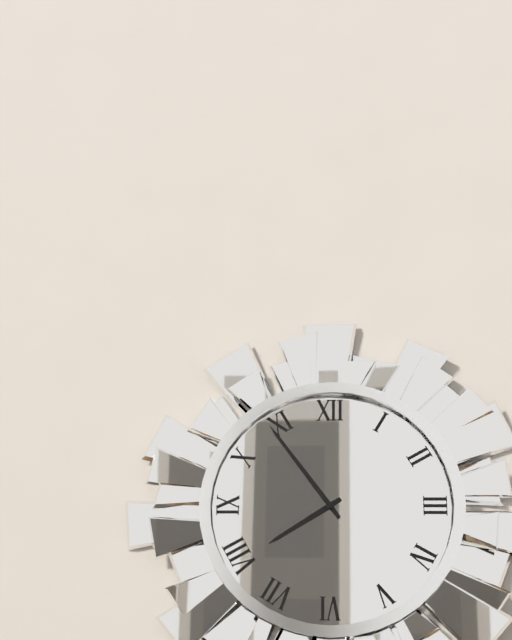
7:54
